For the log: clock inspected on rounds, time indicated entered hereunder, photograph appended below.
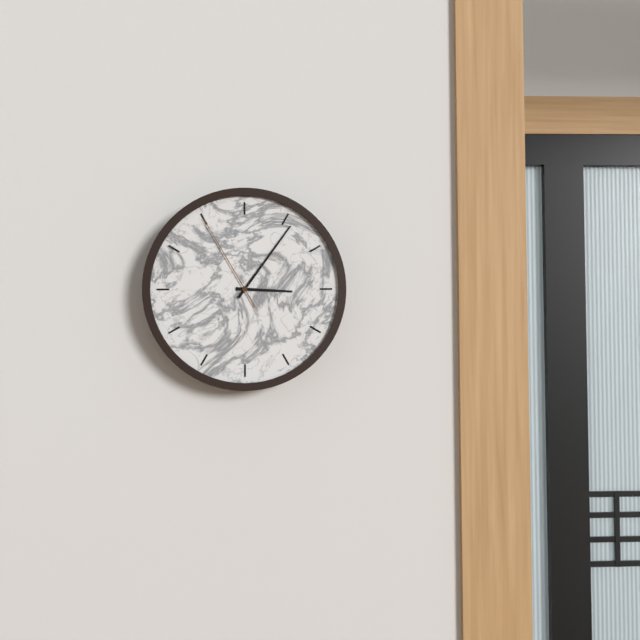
3:06:55
